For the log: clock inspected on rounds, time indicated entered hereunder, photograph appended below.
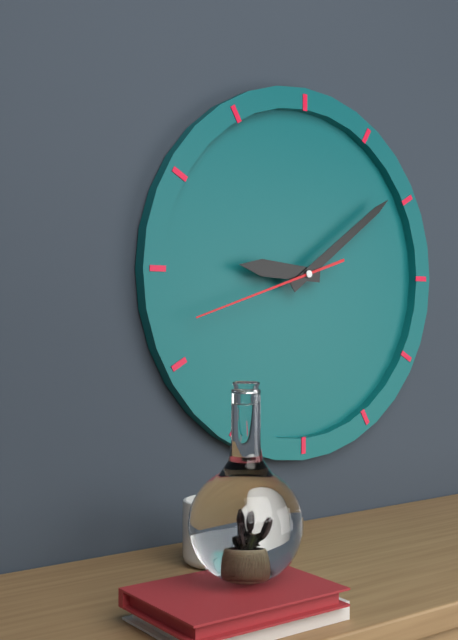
9:09:42
